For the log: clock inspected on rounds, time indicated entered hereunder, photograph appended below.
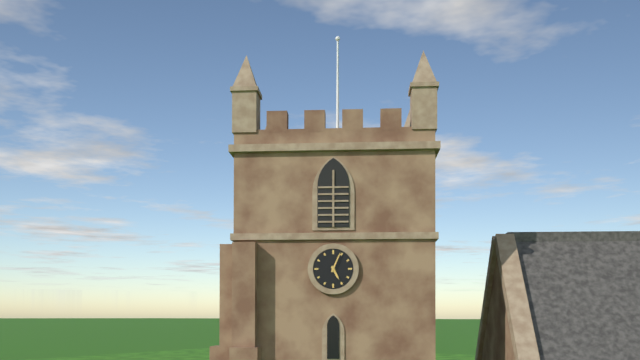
5:04
